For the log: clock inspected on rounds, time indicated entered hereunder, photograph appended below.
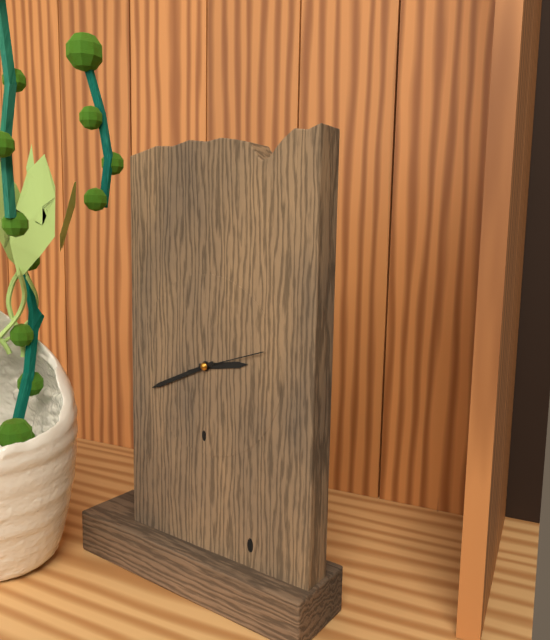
2:41:12
